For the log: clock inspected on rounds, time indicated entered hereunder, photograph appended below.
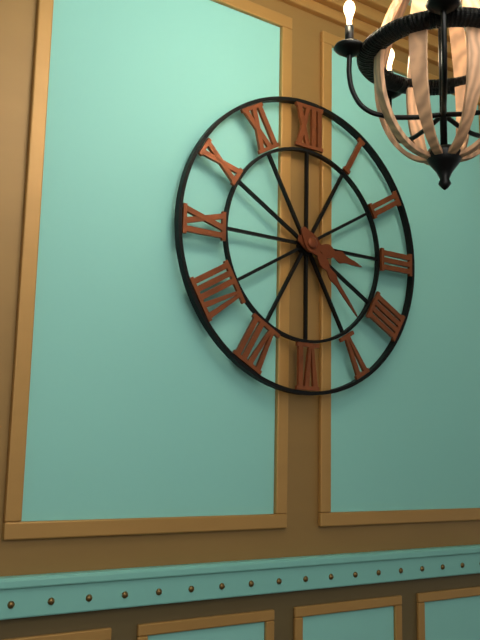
3:23
